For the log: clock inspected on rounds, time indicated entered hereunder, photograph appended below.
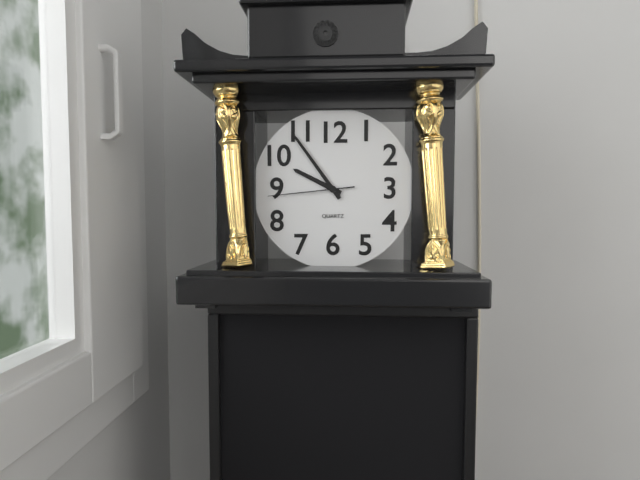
9:54:44
